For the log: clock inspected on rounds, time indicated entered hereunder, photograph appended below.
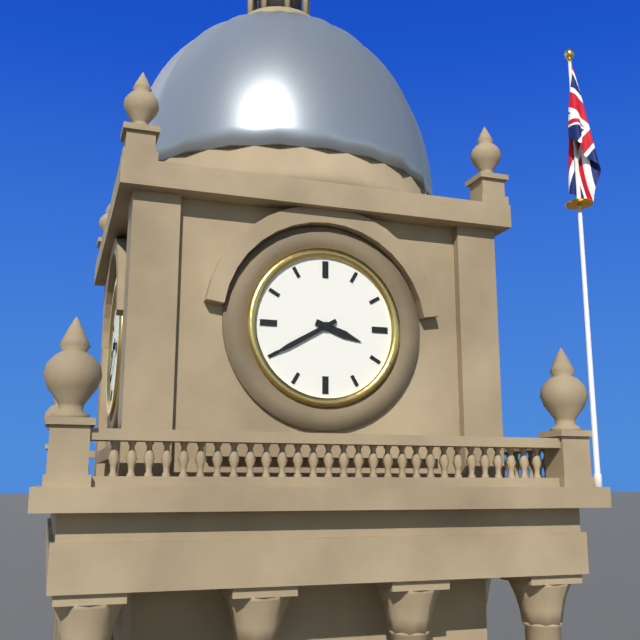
3:40
